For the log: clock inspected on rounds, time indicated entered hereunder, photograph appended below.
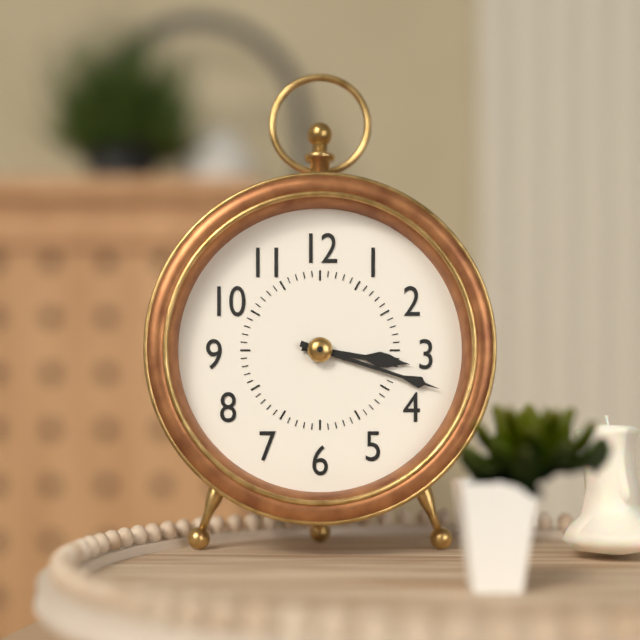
3:18
